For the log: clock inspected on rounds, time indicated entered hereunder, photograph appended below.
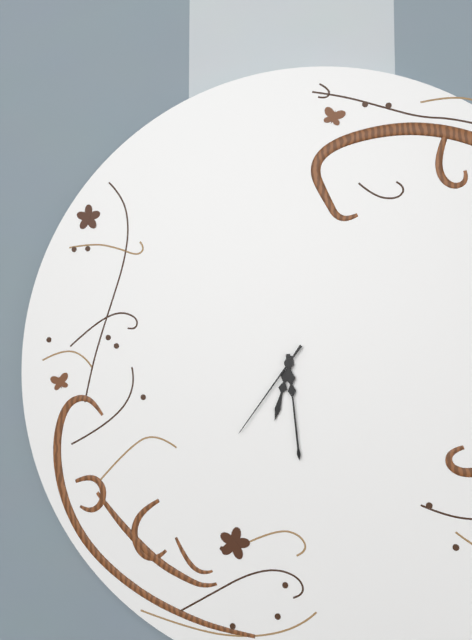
6:29:36
